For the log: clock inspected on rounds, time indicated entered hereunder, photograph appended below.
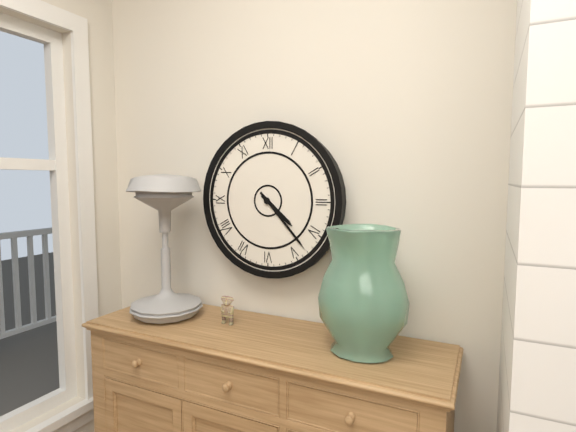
4:23
